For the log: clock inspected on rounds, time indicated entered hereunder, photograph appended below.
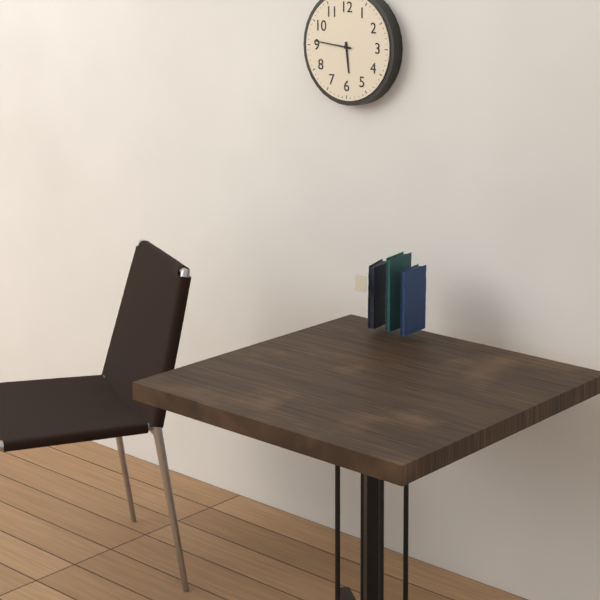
5:46
